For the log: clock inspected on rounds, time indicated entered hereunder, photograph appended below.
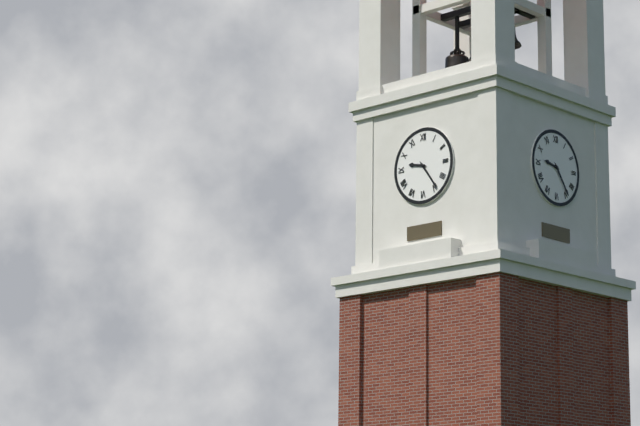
9:24
